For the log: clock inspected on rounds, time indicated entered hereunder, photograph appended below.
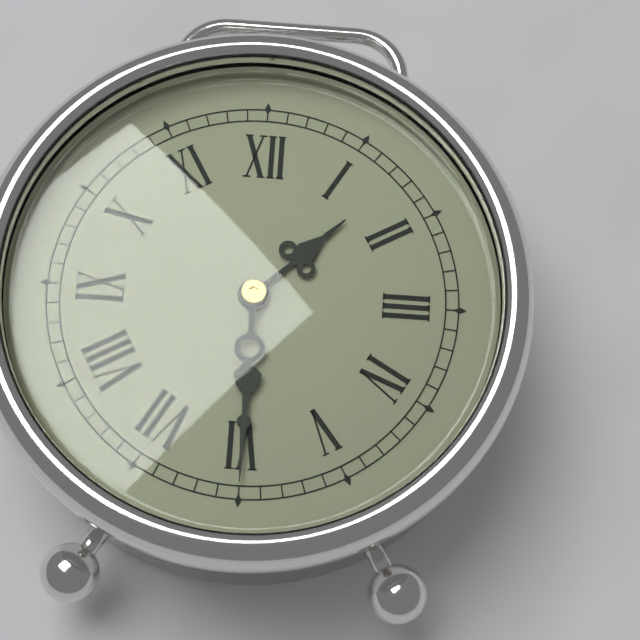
1:30
